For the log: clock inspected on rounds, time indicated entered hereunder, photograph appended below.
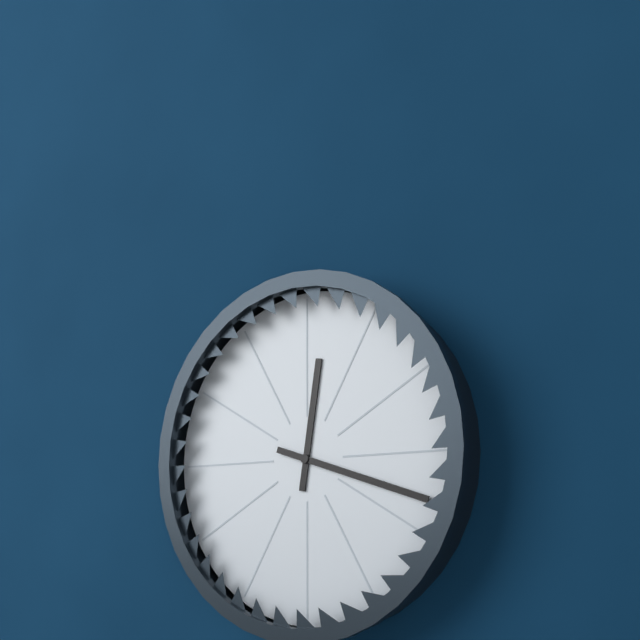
12:18
